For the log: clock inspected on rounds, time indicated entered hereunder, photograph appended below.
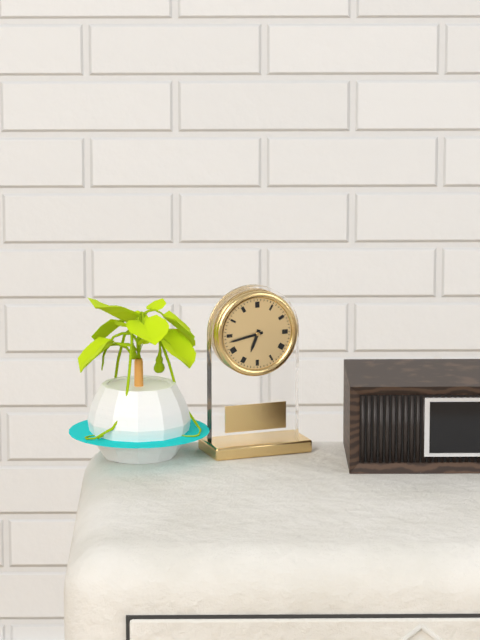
6:43
